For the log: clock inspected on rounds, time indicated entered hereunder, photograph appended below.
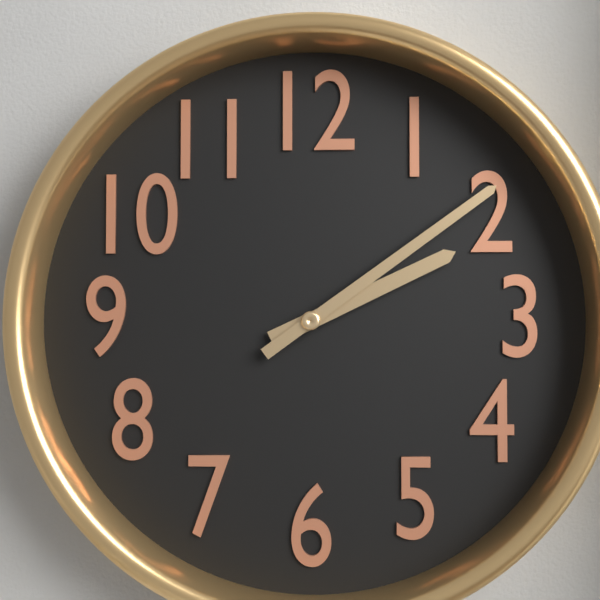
2:09
